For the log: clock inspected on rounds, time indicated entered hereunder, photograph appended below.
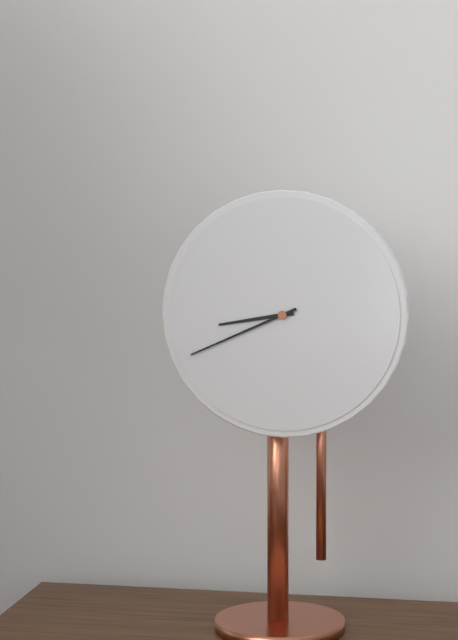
8:41
